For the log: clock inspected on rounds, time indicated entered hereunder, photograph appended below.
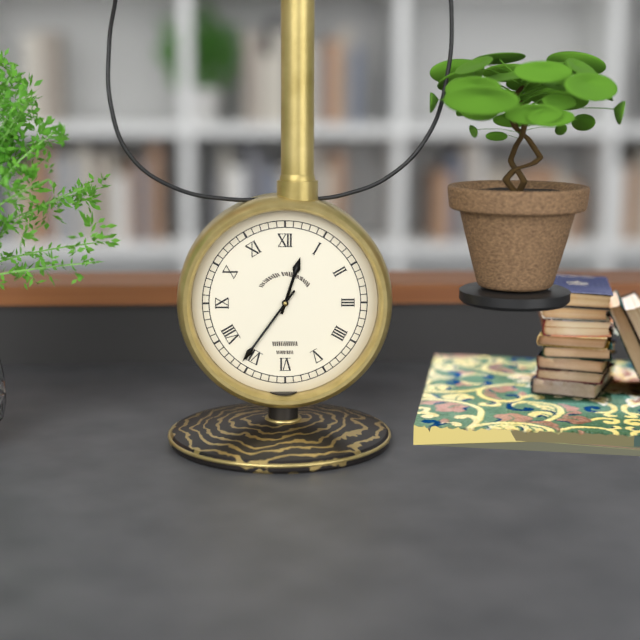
12:36
